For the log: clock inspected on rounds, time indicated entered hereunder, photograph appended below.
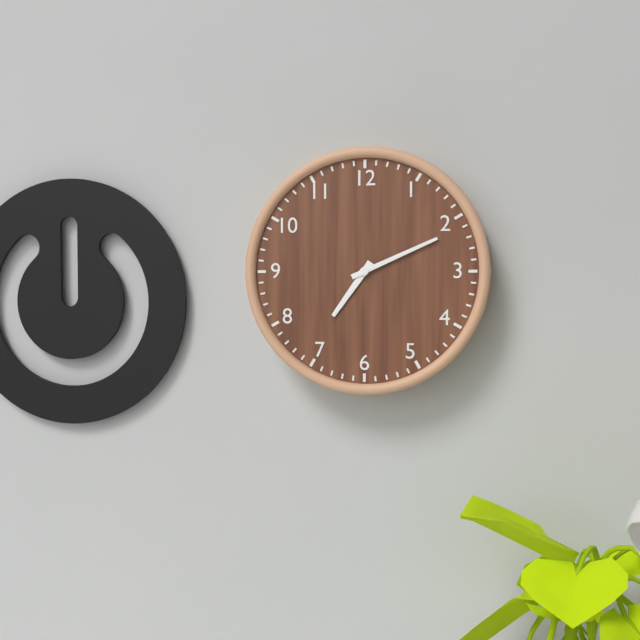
7:11
